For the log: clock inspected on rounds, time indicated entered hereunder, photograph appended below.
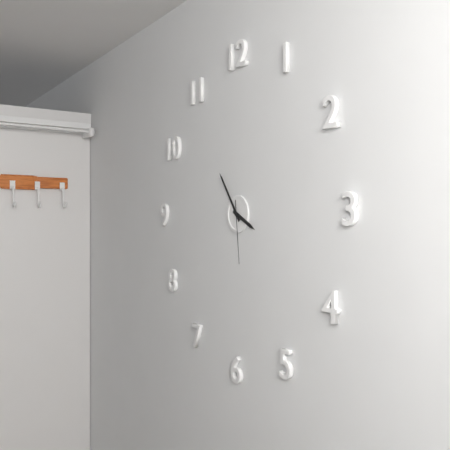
3:54:29
